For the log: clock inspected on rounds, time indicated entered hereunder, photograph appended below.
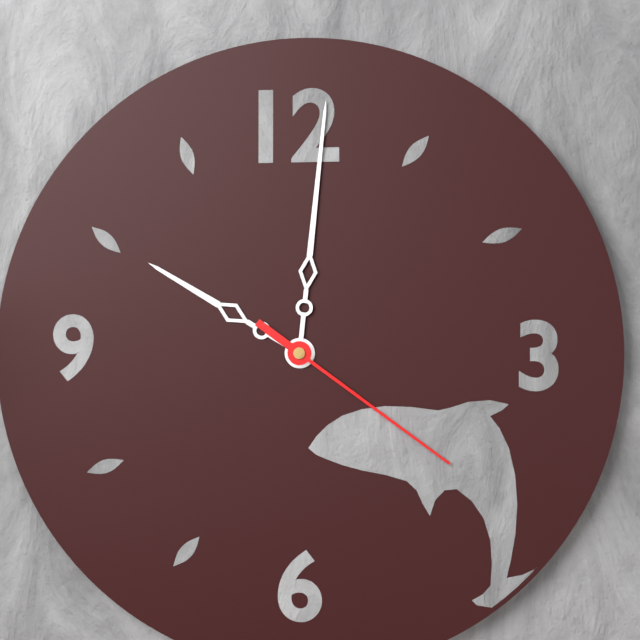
10:01:21
